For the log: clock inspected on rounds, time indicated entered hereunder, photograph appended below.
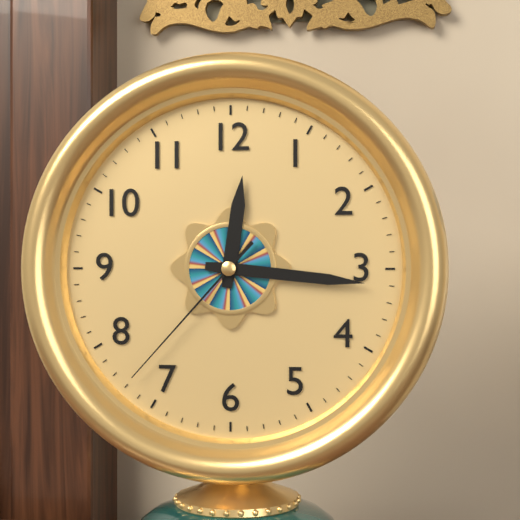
12:16:37
